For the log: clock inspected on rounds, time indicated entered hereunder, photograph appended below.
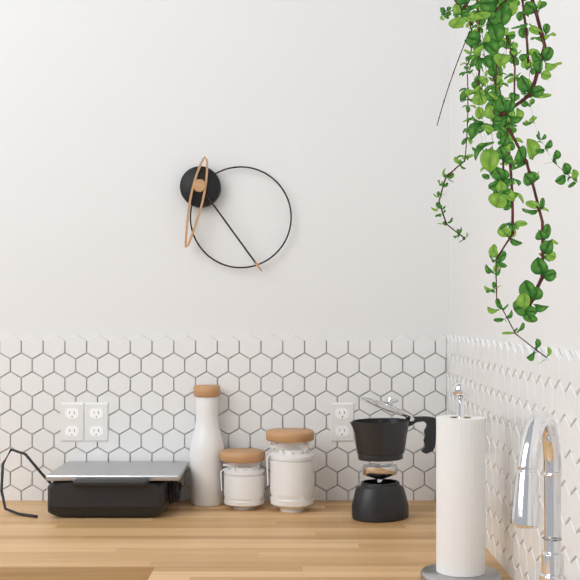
6:24
